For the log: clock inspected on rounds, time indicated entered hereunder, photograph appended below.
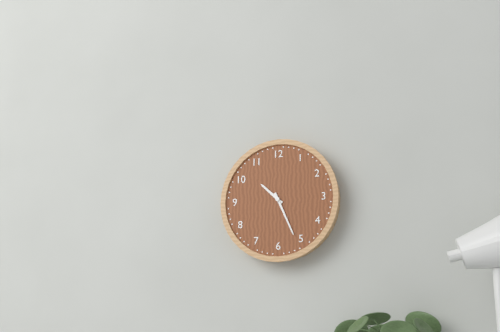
10:26
